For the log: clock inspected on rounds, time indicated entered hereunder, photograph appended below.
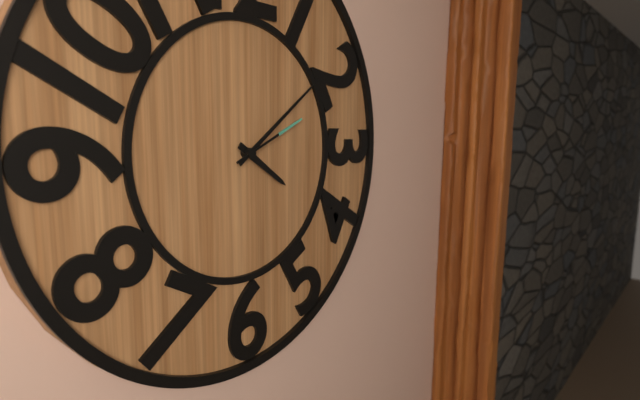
4:09:11
